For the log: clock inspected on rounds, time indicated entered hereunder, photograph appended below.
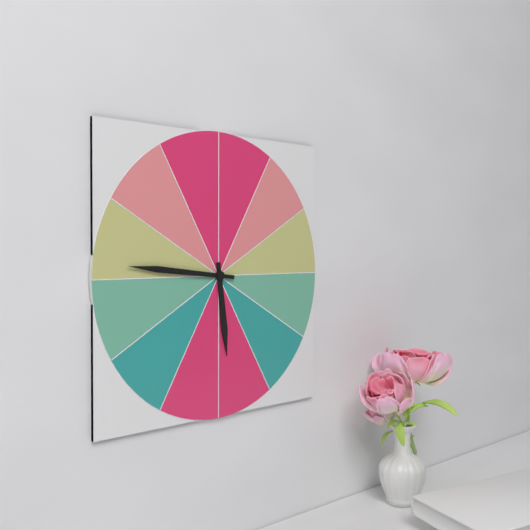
5:46
